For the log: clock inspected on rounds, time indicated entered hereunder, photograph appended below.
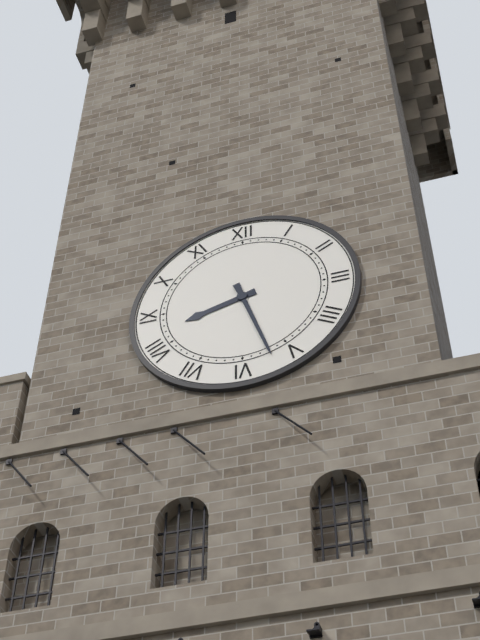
8:27
